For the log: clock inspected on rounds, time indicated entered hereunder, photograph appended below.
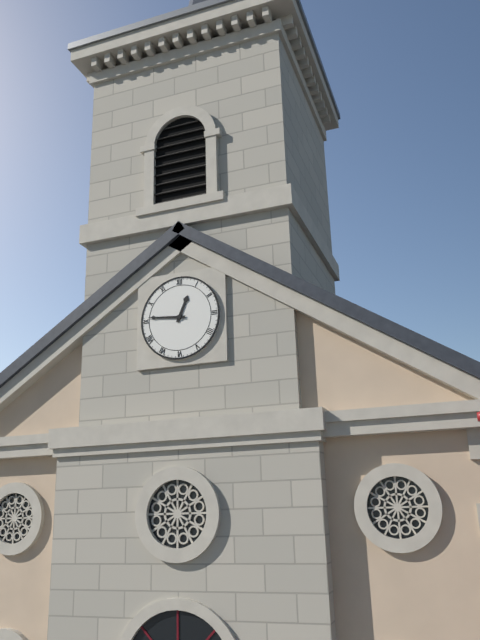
12:46
